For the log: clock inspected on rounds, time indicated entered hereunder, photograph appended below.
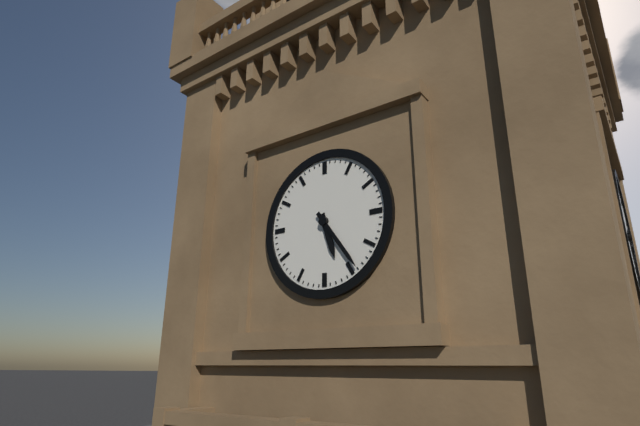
5:24
